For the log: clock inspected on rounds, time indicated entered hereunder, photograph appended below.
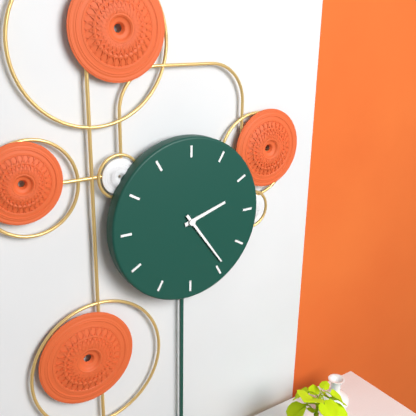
2:24
